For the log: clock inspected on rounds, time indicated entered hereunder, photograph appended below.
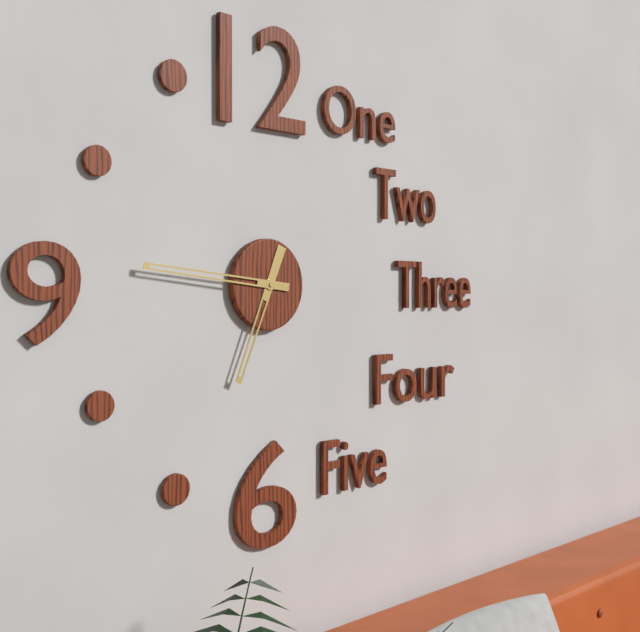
6:46
